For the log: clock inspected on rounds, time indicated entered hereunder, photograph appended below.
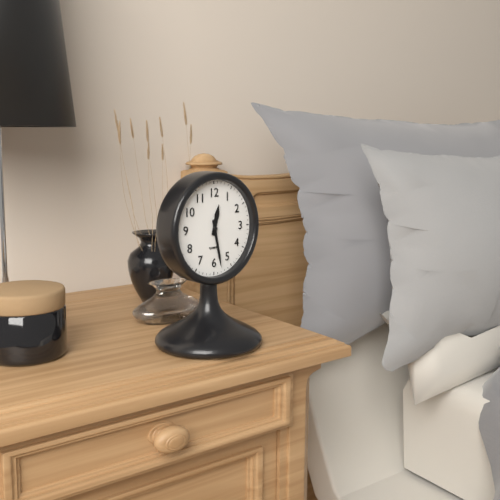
12:28
